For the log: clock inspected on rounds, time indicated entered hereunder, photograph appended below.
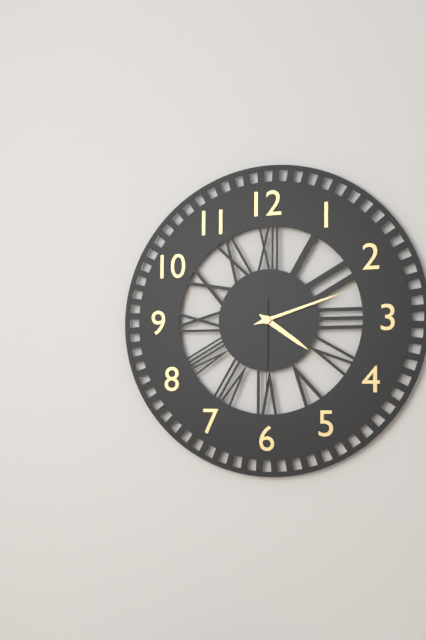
4:12:30
